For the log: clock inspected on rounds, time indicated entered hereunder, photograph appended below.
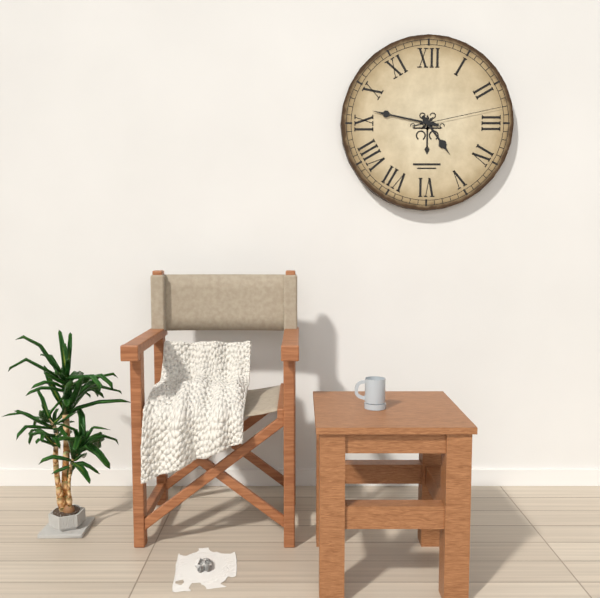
4:47:13
